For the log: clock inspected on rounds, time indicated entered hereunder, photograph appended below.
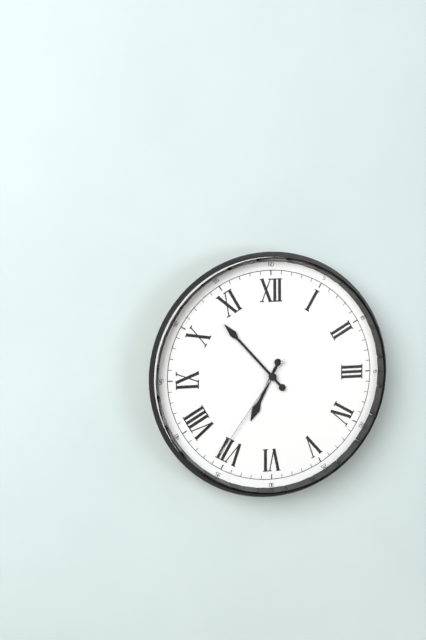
6:53:36
